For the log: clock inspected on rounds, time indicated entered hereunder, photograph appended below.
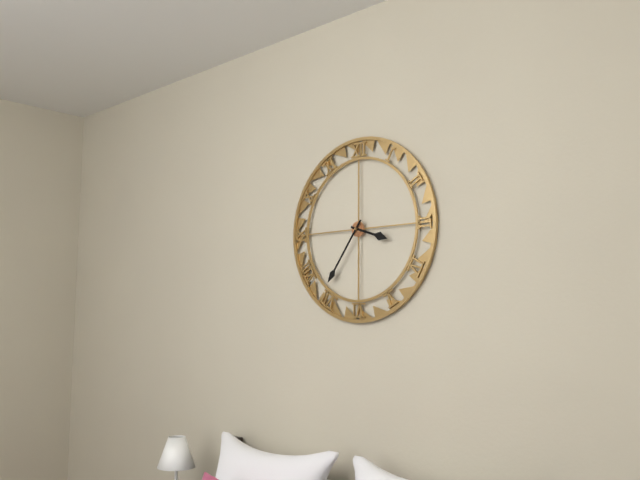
3:36
